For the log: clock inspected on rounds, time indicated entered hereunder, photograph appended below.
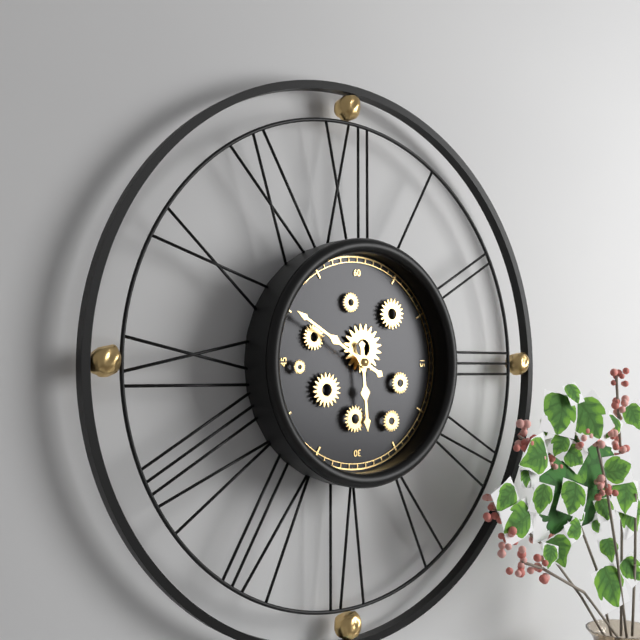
5:50
